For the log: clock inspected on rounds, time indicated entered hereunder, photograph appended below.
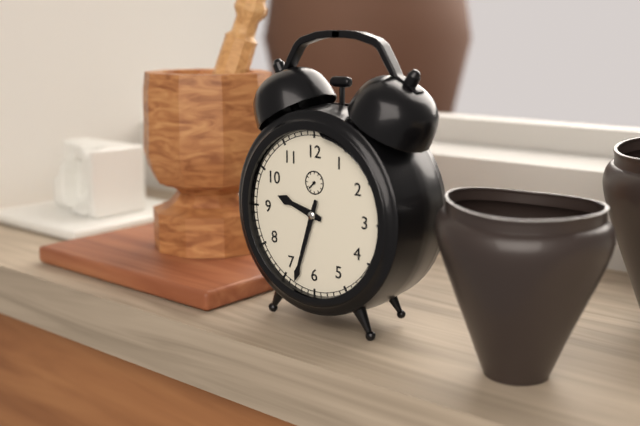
9:33
